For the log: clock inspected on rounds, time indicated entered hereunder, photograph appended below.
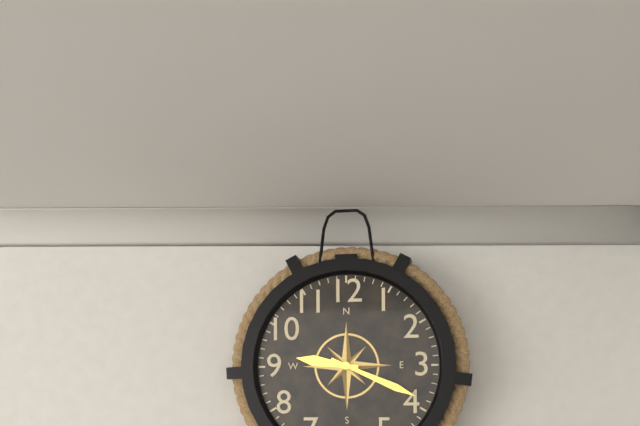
9:19
